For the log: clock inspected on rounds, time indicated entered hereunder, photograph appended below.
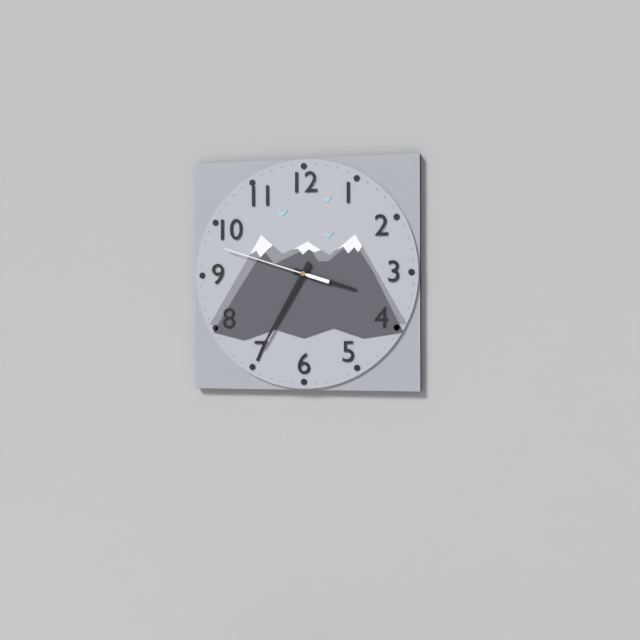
3:35:48
